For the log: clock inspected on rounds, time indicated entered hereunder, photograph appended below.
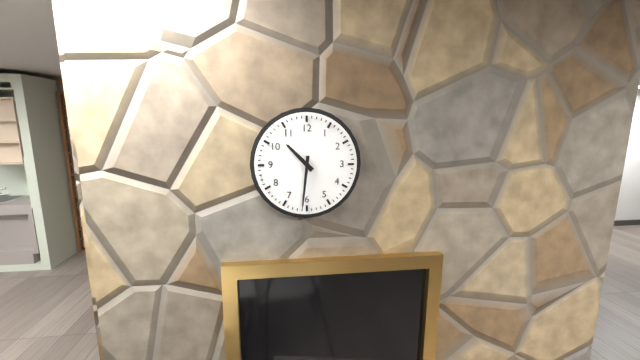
10:31
